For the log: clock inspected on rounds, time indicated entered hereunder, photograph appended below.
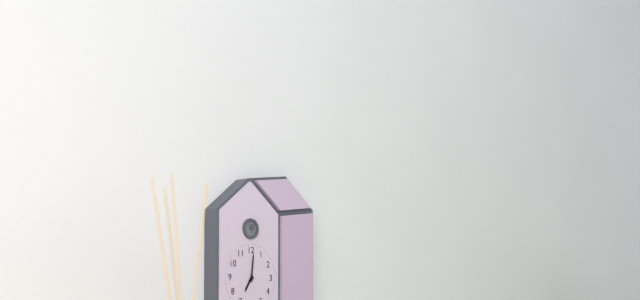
7:01
